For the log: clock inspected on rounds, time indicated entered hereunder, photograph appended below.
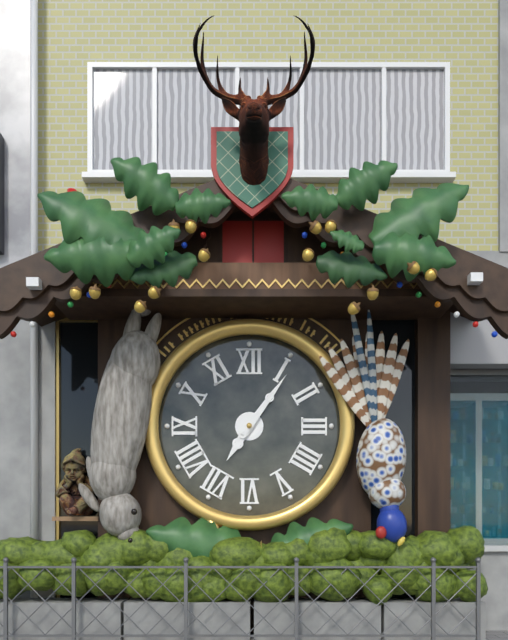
7:06
